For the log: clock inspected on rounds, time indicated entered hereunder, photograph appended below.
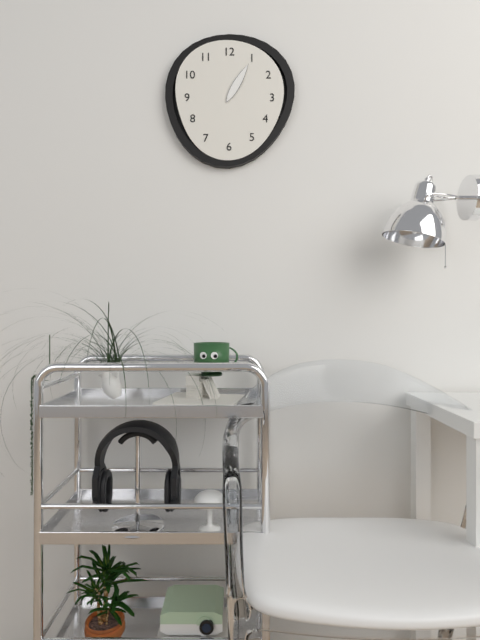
1:05
